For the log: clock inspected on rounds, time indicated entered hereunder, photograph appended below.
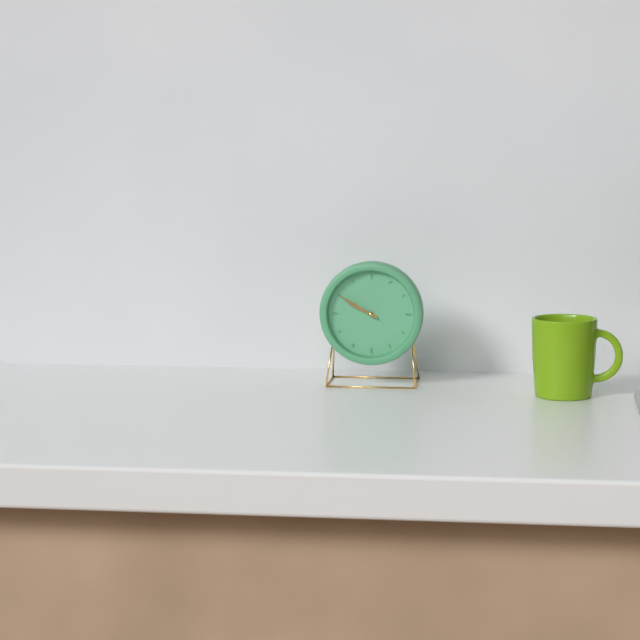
9:50
